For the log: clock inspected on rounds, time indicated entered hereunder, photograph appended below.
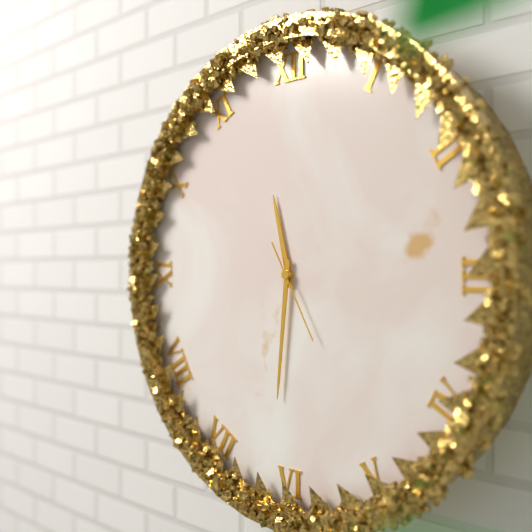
11:31:25
